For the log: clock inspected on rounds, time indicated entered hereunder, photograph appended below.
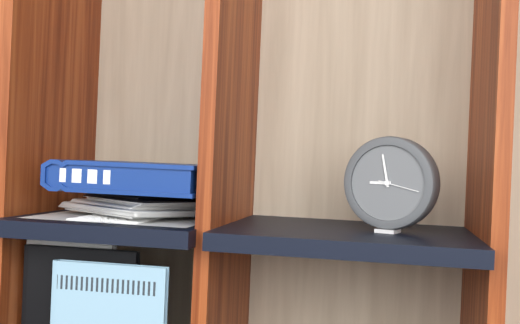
8:58
